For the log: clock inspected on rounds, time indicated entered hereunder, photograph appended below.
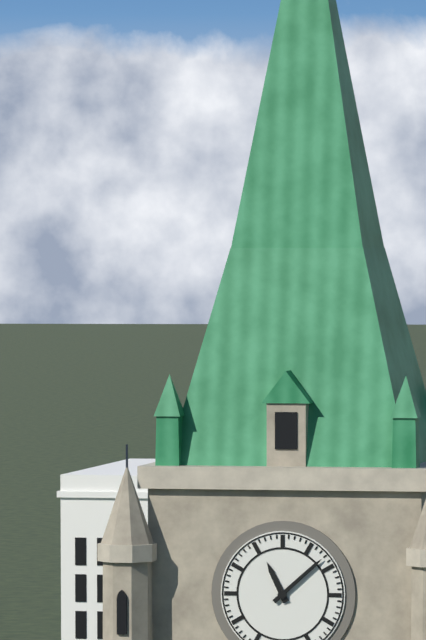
11:08
